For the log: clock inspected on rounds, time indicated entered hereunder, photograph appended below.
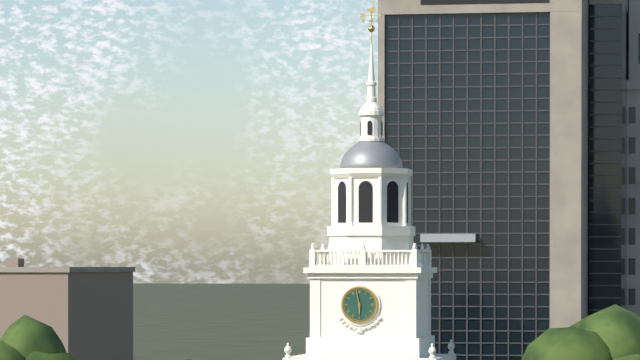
5:58
